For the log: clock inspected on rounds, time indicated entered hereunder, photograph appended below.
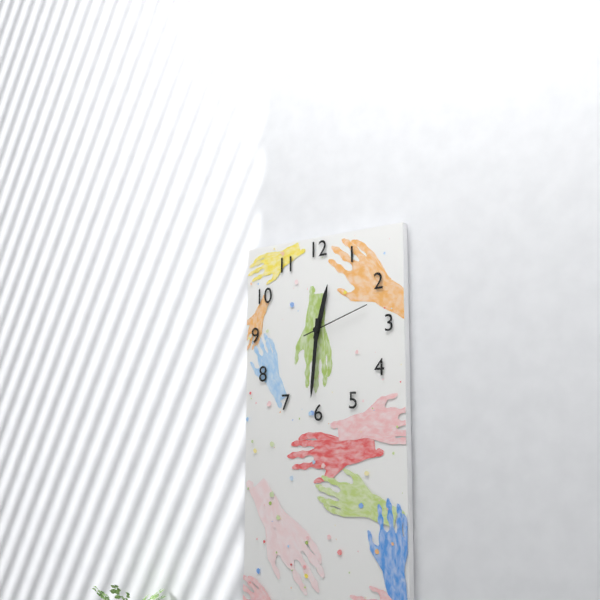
12:31:12
